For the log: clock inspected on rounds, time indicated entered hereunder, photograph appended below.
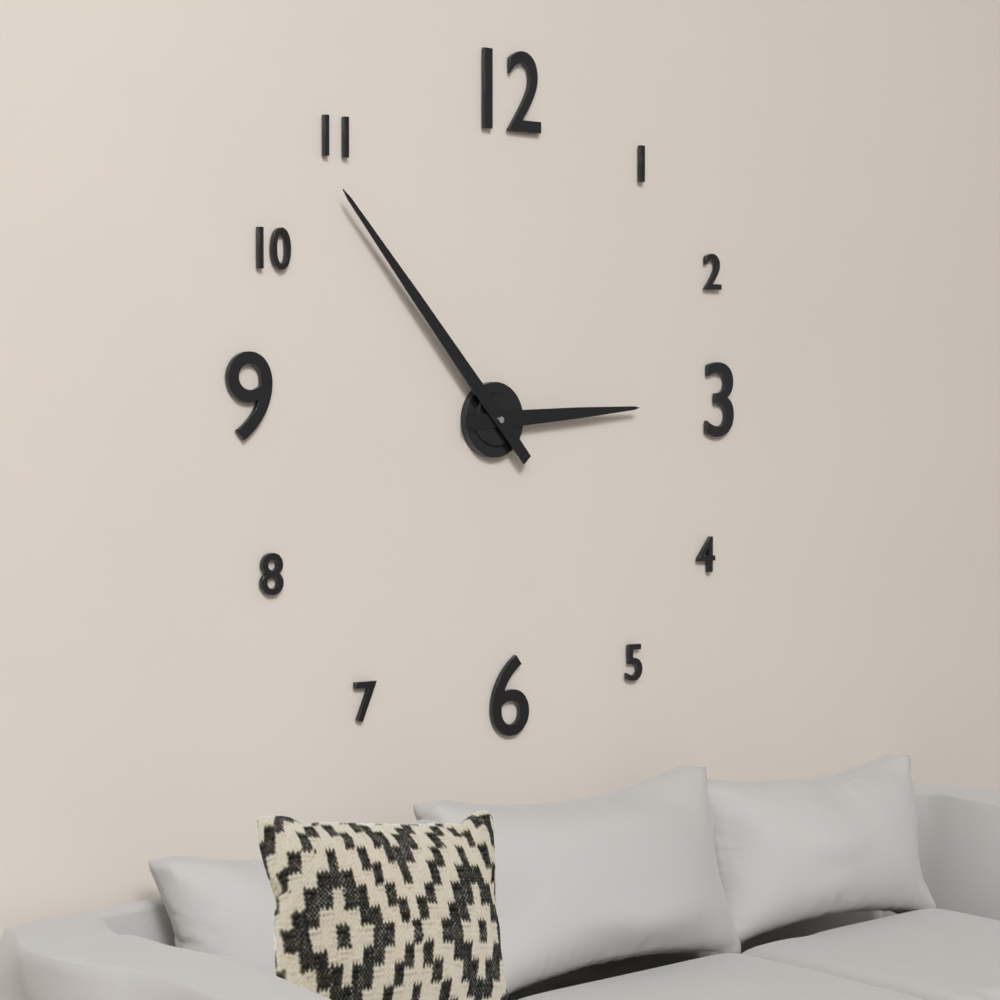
2:53
